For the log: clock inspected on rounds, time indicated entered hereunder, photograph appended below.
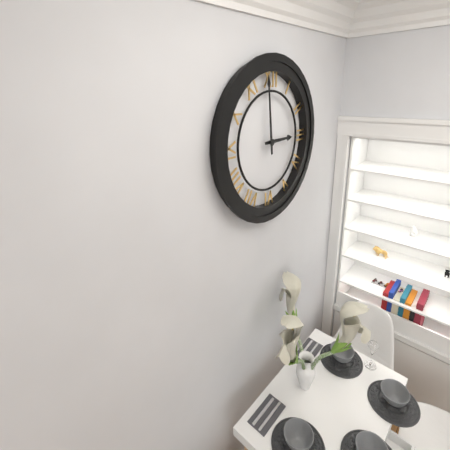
2:59
